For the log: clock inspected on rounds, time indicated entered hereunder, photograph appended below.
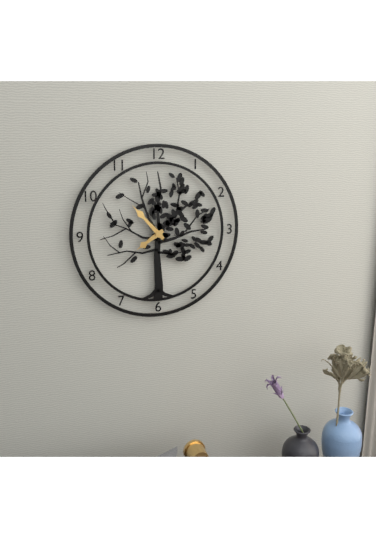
7:53
